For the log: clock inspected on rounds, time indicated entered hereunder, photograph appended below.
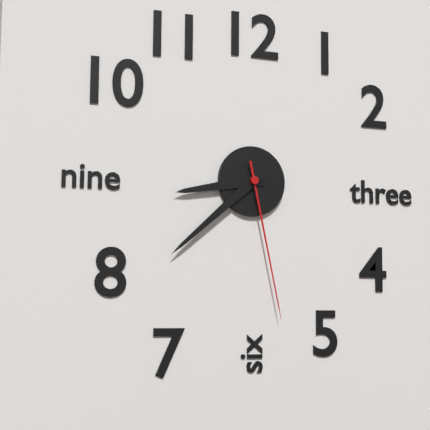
8:38:28
